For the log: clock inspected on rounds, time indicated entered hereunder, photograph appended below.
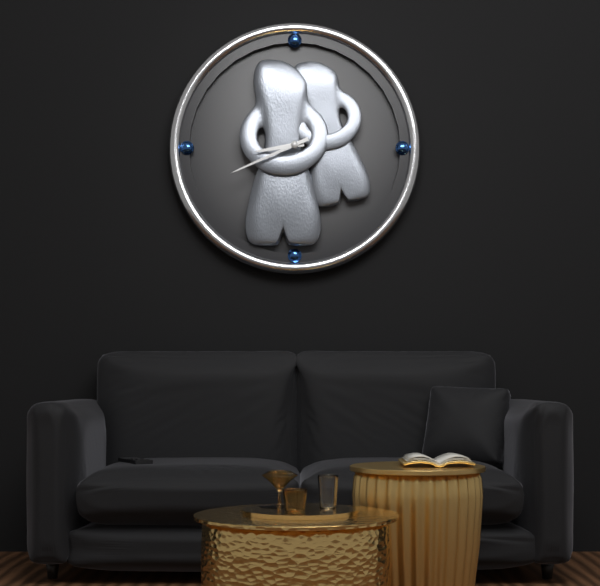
8:41
